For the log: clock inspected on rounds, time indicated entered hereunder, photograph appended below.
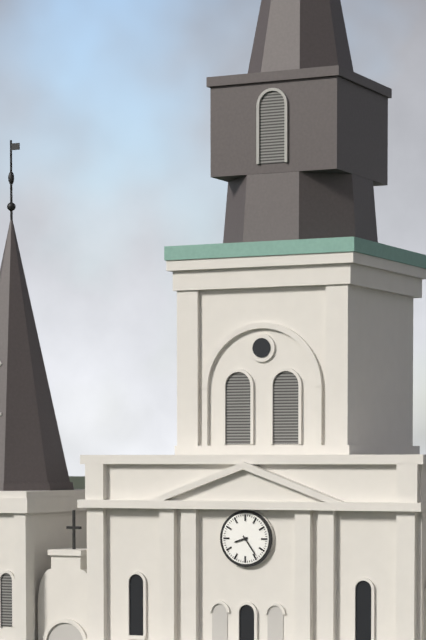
8:24
